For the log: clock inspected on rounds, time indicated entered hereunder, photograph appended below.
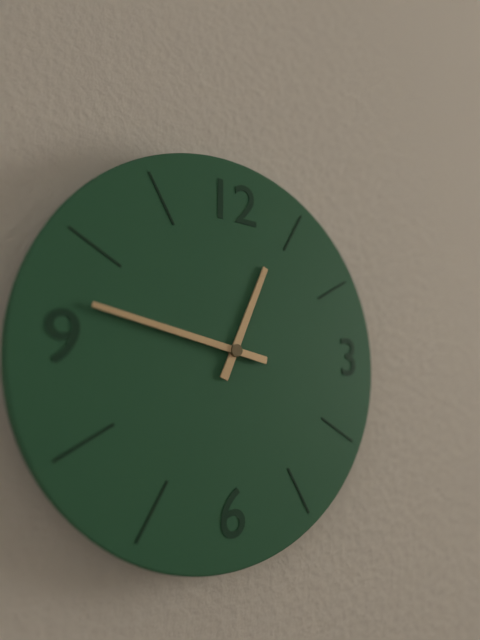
12:47
